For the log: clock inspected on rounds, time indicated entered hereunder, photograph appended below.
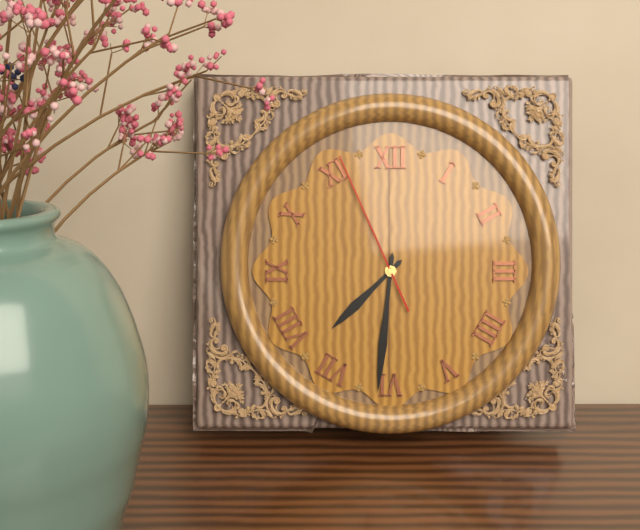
7:31:56
